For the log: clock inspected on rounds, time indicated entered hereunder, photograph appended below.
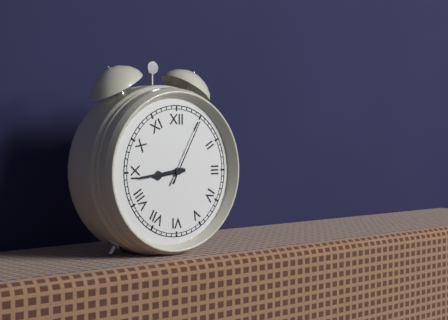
8:44:05
